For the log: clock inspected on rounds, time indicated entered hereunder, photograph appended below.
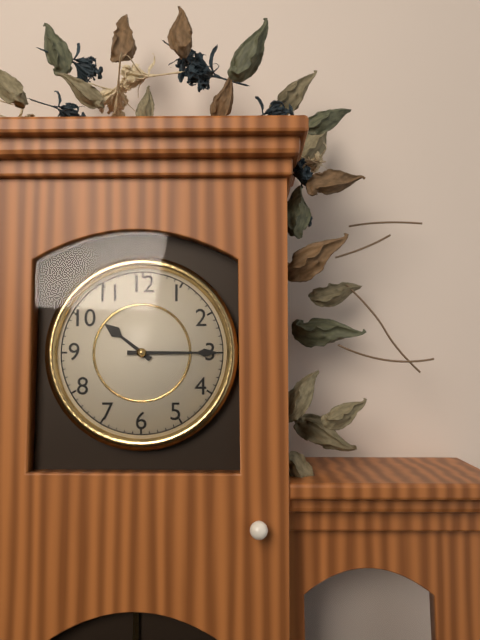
10:15
